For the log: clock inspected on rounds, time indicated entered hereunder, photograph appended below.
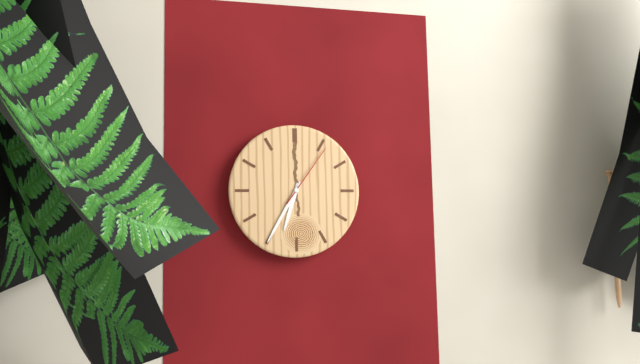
6:35:06
